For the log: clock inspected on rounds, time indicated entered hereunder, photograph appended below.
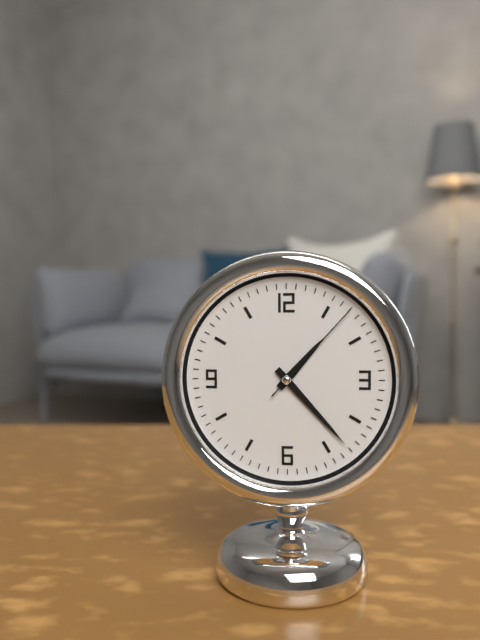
1:23:07
